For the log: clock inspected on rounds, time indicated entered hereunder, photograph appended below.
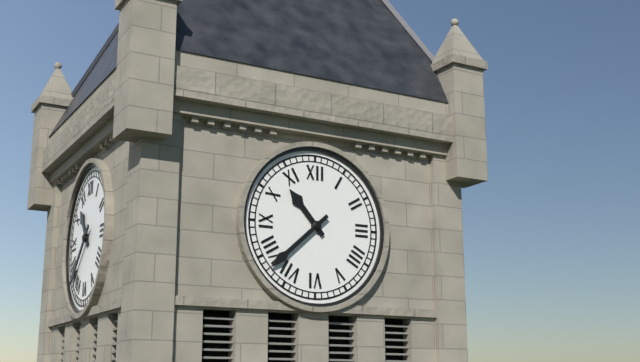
10:38
